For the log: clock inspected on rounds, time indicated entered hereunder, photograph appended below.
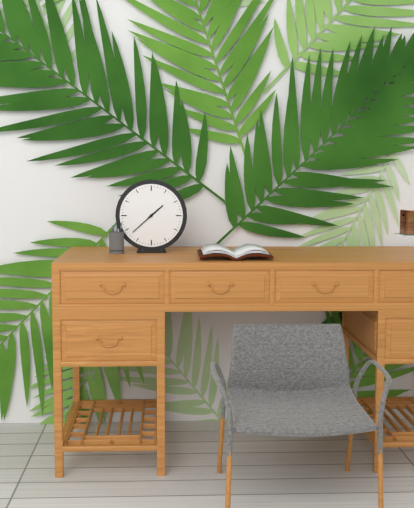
1:38
